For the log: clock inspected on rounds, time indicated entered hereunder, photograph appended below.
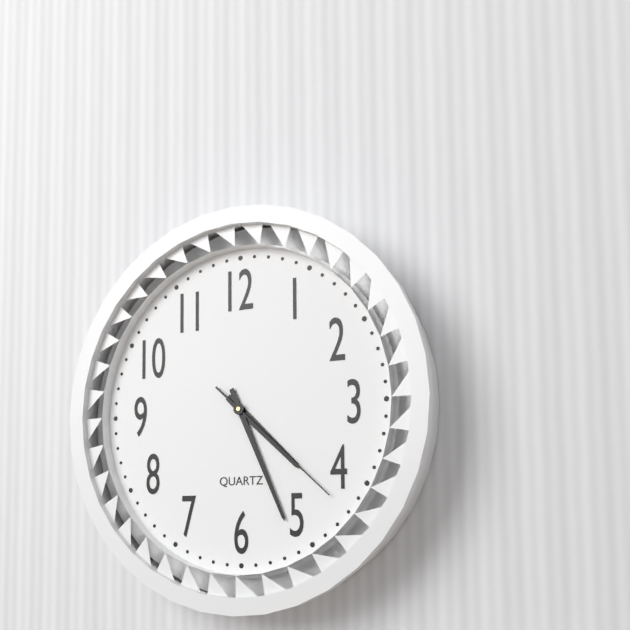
4:26:22
